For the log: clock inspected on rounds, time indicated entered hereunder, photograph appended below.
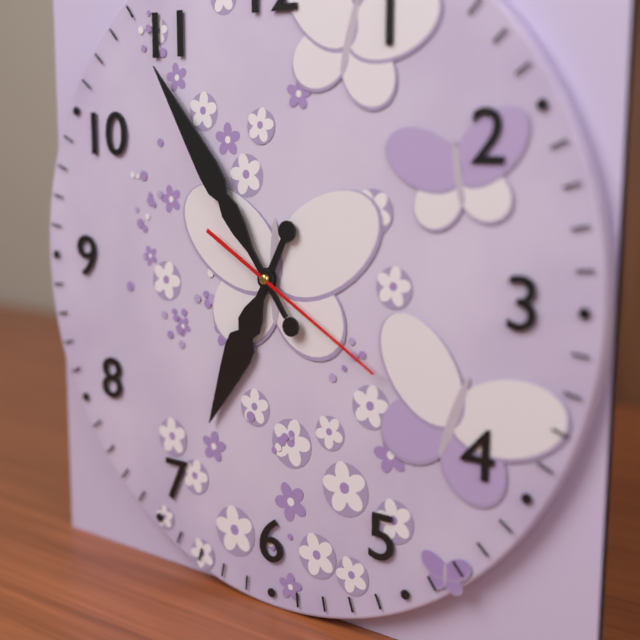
6:54:20
